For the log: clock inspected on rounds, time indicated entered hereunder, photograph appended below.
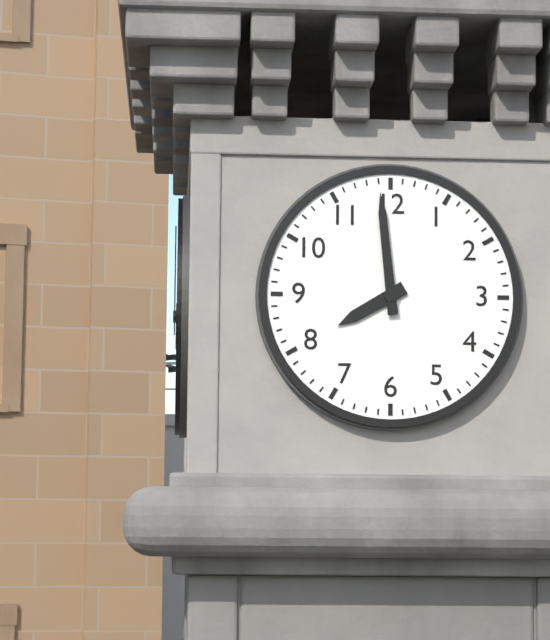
7:59
